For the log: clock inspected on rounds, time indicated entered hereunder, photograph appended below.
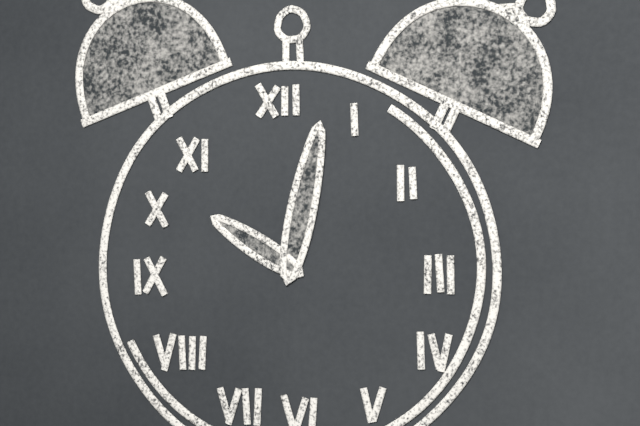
10:02
